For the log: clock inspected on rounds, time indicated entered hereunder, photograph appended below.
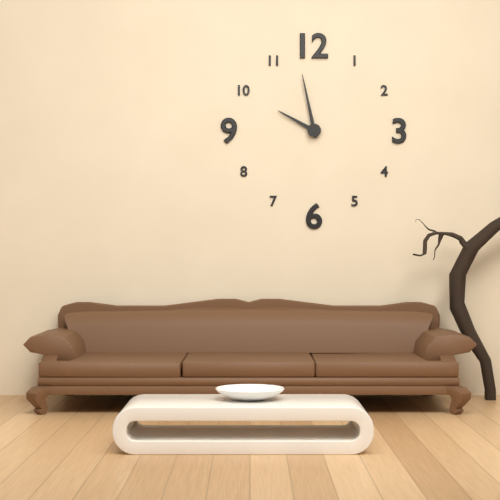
9:58
